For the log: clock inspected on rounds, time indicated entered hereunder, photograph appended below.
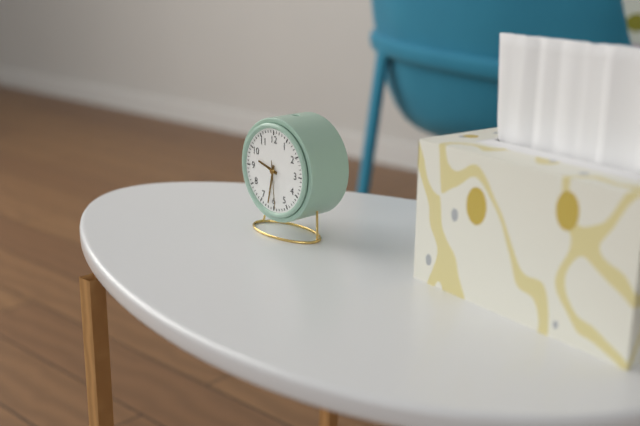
9:32
